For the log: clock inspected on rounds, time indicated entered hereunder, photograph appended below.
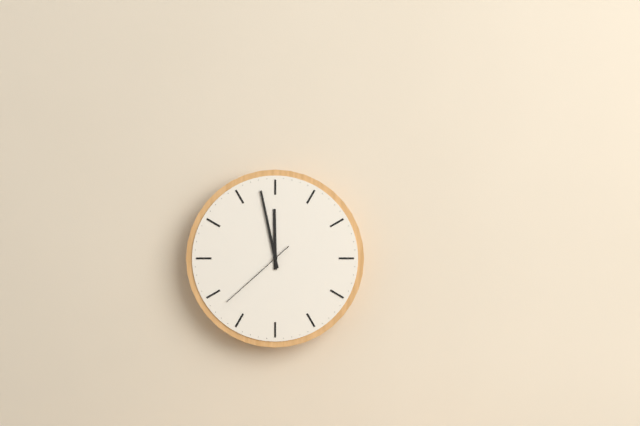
11:58:38
